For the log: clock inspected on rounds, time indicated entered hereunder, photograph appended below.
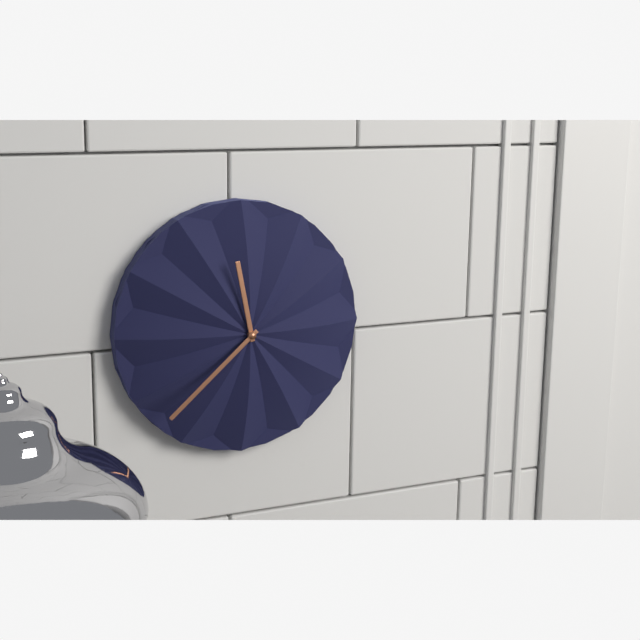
11:38
